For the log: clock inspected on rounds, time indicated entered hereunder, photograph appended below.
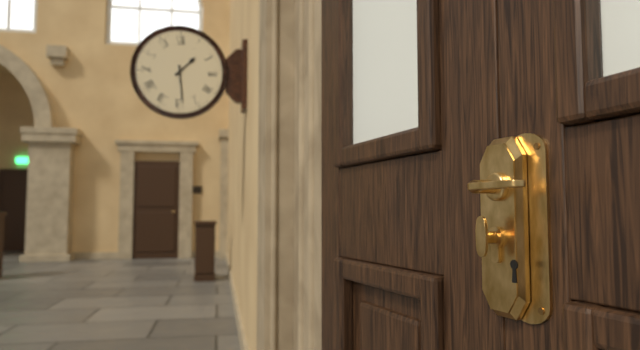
1:29
